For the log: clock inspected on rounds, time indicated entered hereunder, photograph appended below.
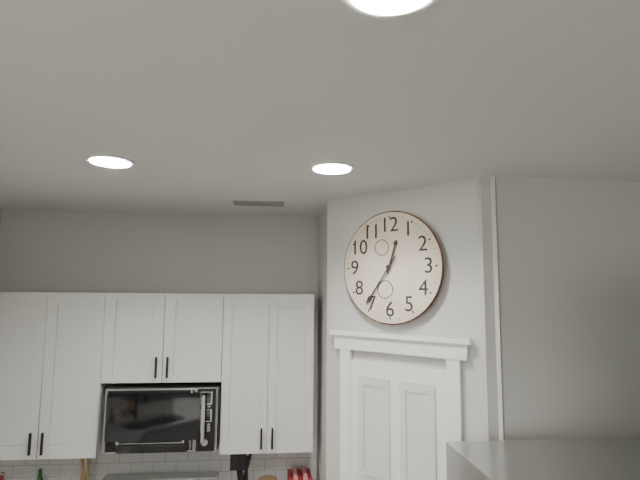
12:36
